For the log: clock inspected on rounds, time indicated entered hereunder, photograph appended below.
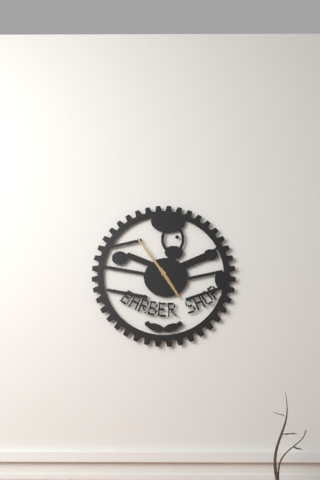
4:54
